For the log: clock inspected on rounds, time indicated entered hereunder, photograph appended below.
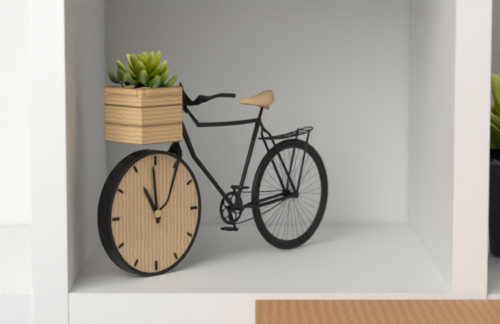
10:59
